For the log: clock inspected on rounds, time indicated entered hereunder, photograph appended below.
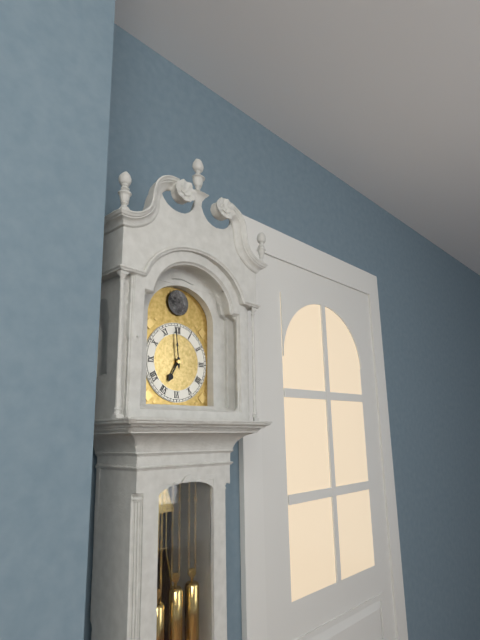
6:59
